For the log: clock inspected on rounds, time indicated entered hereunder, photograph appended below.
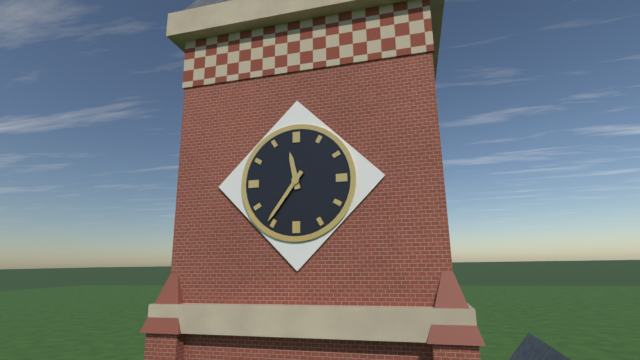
11:36
